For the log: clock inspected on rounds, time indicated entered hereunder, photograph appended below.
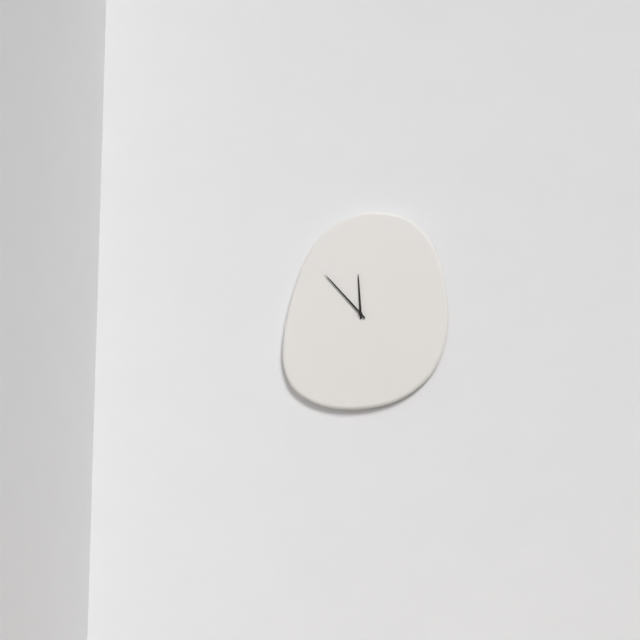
11:53
